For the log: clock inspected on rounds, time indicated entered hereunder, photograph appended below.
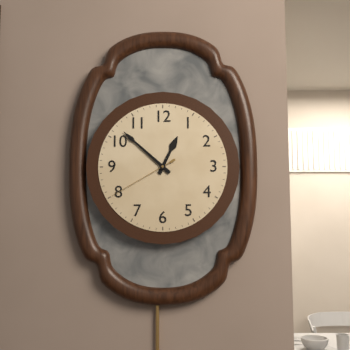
12:52:40
